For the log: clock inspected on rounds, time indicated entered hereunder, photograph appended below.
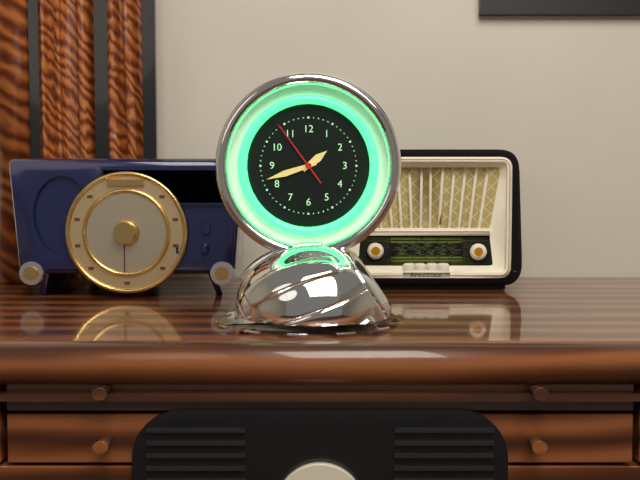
1:42:54
